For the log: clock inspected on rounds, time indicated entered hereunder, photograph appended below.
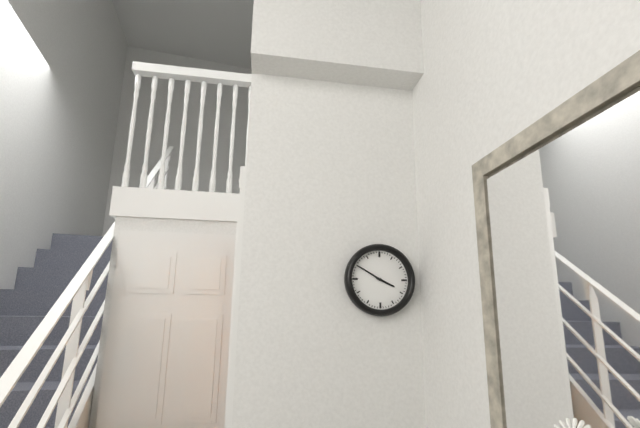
3:50
